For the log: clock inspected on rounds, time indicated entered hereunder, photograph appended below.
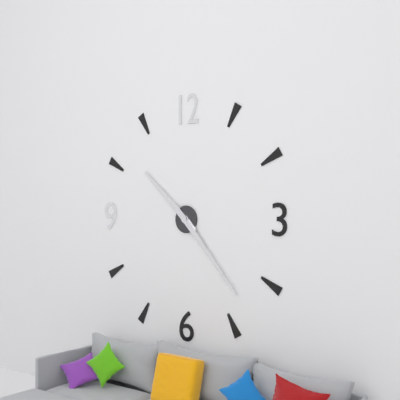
10:23
